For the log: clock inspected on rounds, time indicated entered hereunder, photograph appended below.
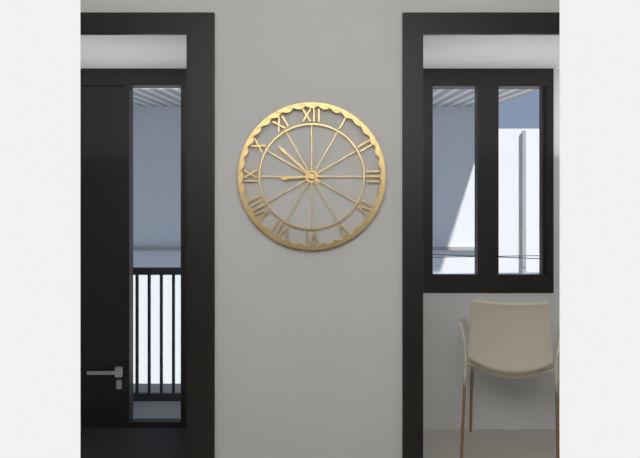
8:52
